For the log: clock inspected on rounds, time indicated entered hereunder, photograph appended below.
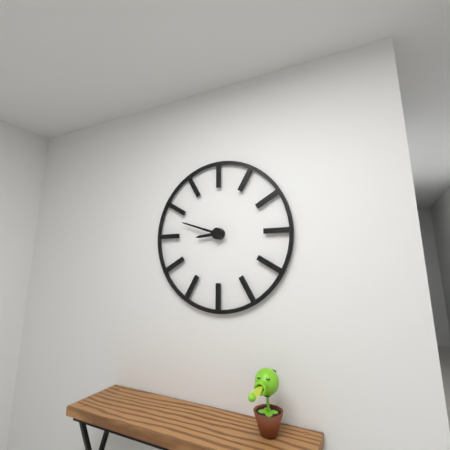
8:48
